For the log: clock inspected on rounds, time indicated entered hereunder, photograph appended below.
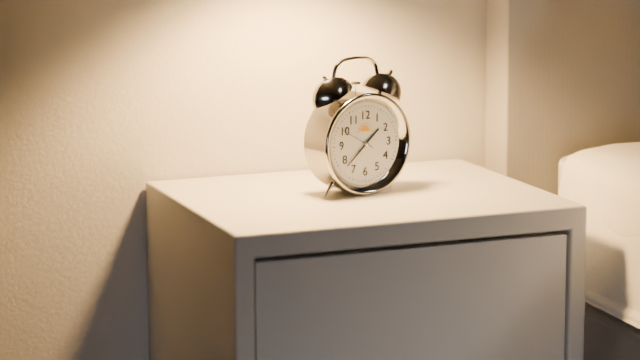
1:38
